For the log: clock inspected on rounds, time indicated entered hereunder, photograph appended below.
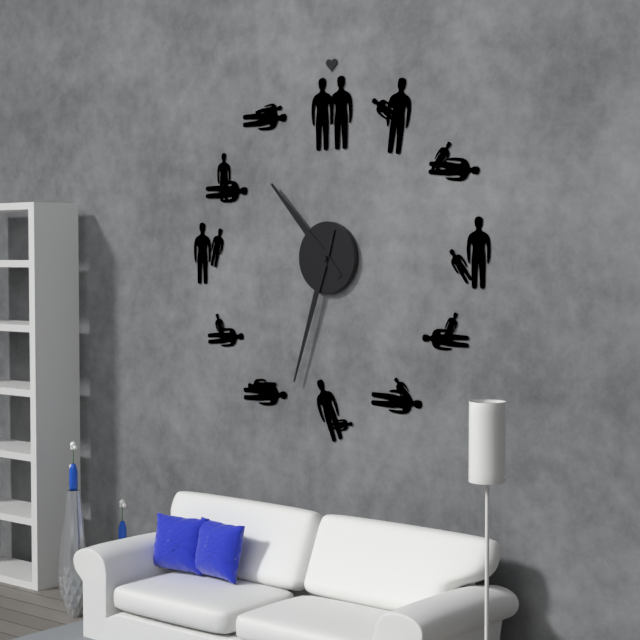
10:33
